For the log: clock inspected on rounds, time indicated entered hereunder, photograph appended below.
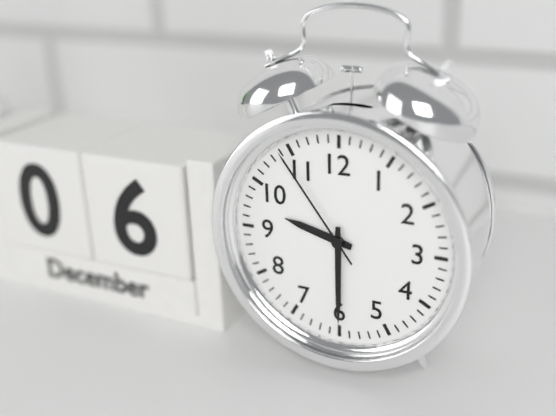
9:30:54
